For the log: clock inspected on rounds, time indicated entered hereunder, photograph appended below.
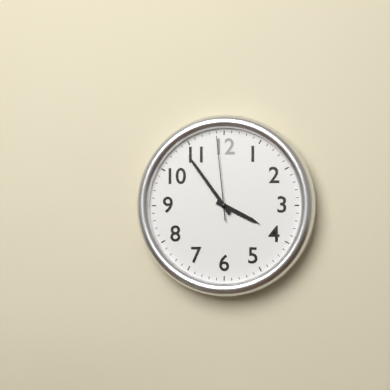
3:54:59
